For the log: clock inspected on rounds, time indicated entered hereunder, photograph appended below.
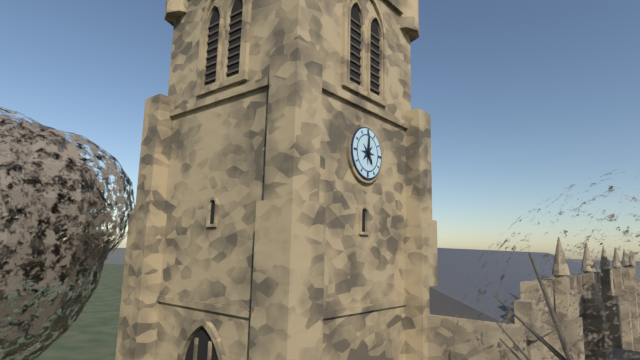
5:00
